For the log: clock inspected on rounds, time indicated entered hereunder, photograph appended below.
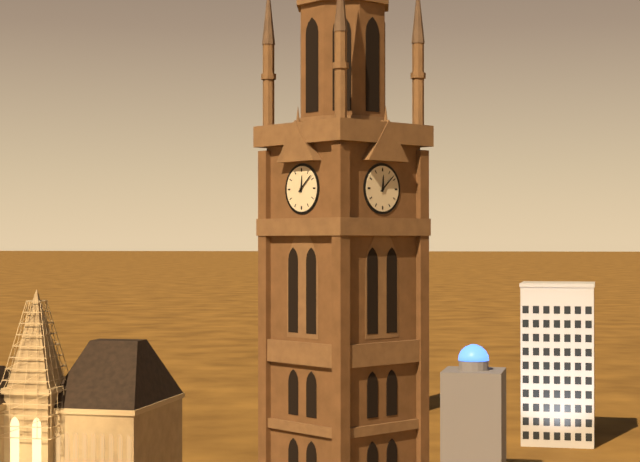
12:08
